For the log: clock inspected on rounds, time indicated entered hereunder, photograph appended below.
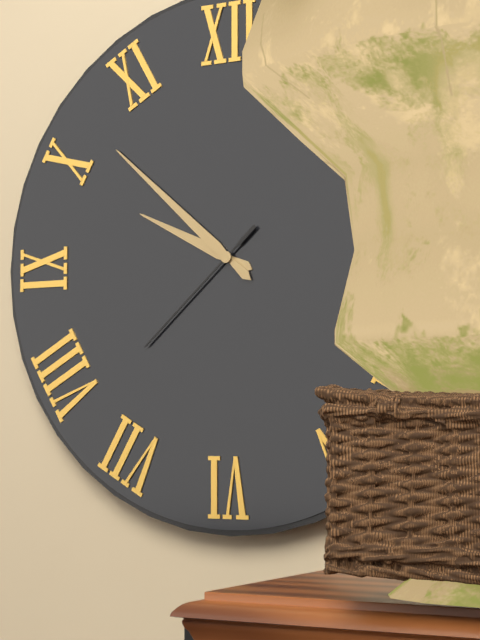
9:52:38
